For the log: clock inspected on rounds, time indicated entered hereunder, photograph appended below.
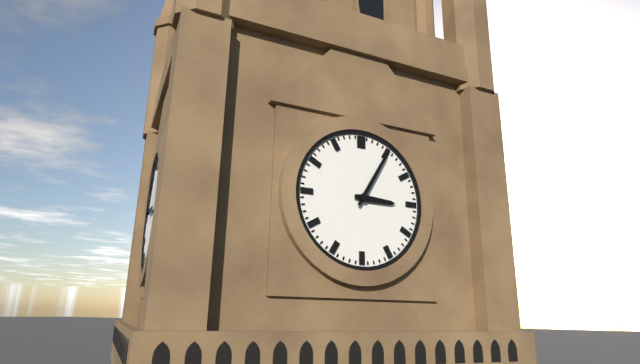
3:05
